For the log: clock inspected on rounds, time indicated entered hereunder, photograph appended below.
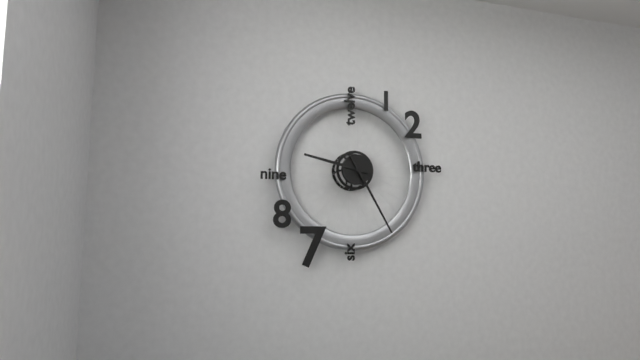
9:25
